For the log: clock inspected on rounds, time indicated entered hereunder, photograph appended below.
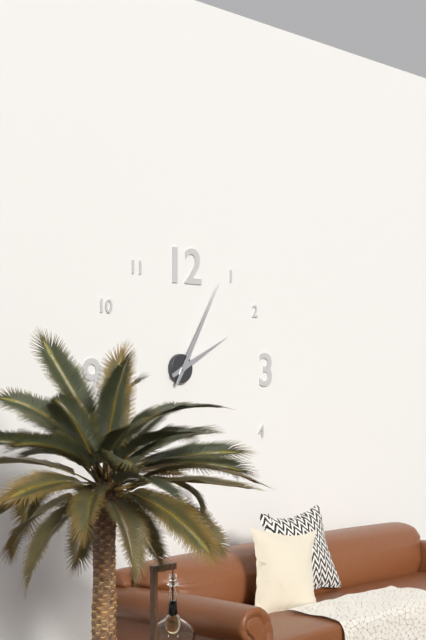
2:05
